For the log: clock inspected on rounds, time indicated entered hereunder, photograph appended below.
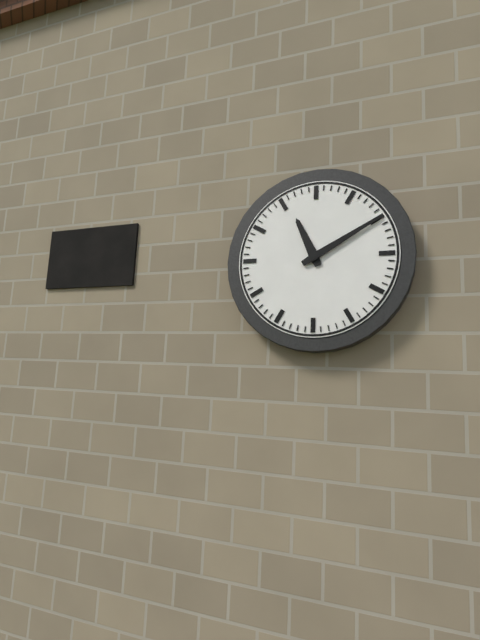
11:10
